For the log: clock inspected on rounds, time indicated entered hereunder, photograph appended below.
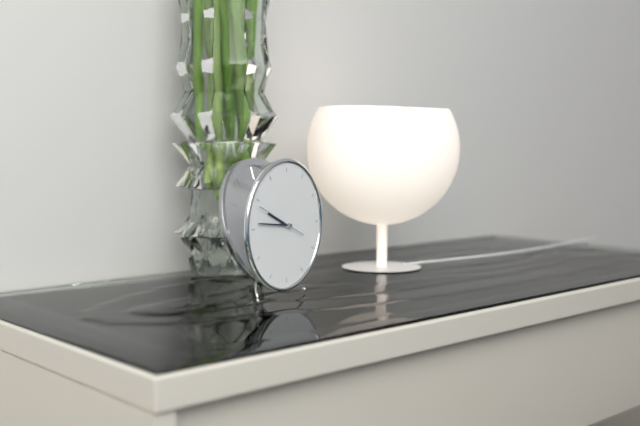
9:46
